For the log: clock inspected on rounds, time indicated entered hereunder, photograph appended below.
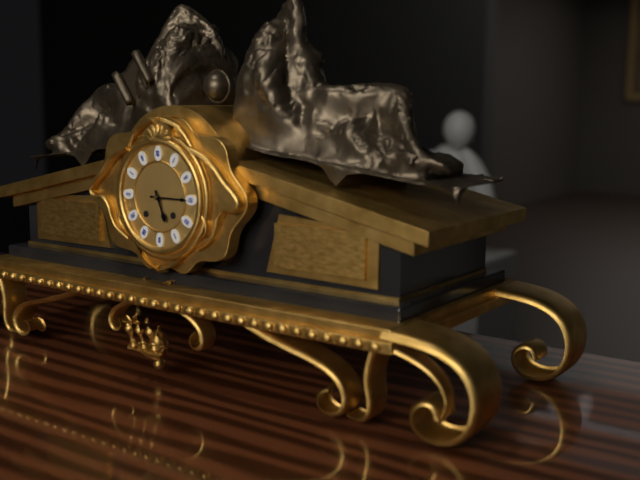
5:15
